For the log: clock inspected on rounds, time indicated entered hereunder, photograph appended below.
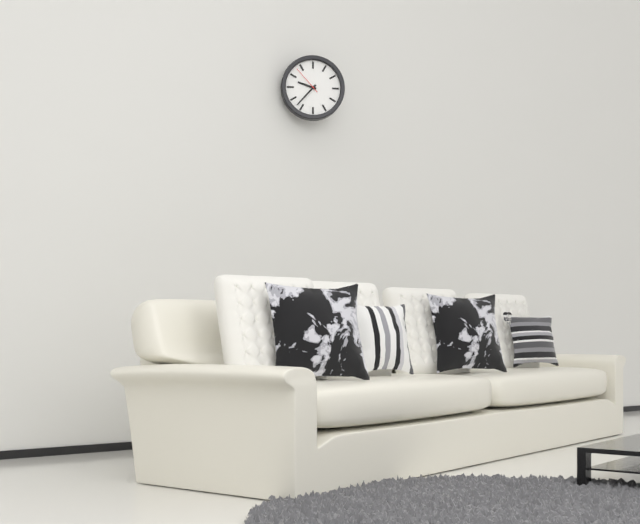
9:37
